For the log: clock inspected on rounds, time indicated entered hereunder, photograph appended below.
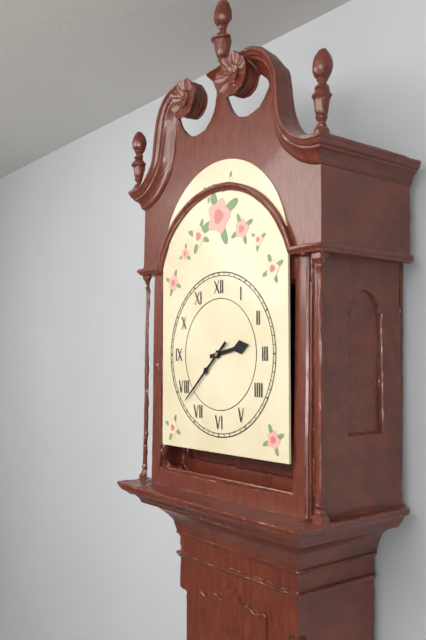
2:38
